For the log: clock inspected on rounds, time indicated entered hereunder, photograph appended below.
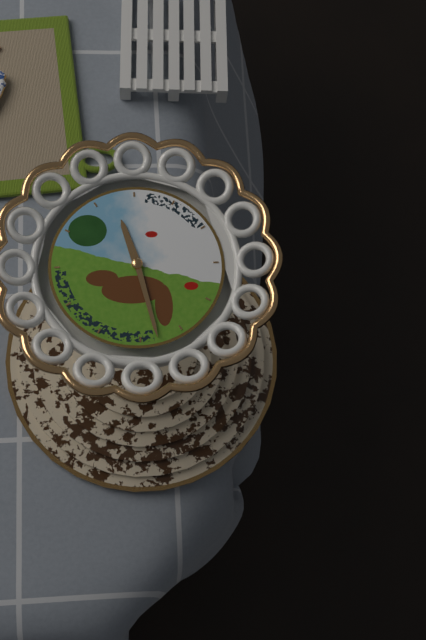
11:28
